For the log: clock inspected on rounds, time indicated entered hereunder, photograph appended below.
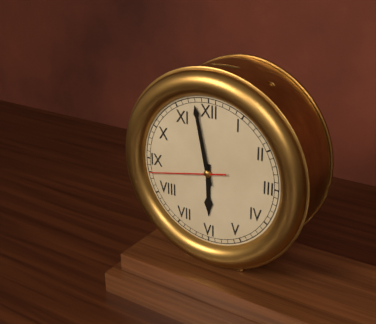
5:58:43
